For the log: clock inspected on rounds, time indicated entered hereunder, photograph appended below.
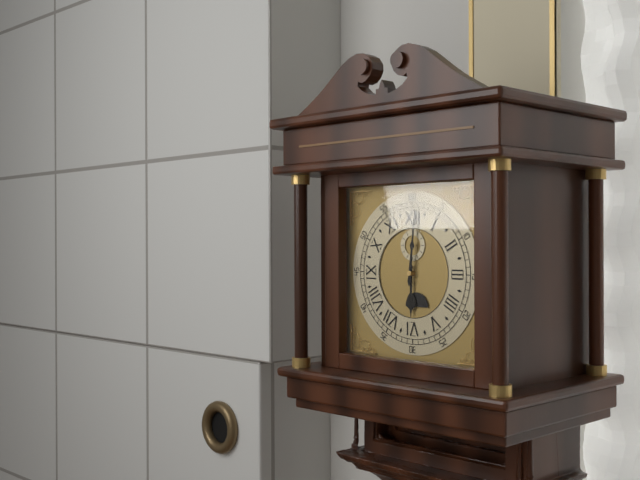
6:01
